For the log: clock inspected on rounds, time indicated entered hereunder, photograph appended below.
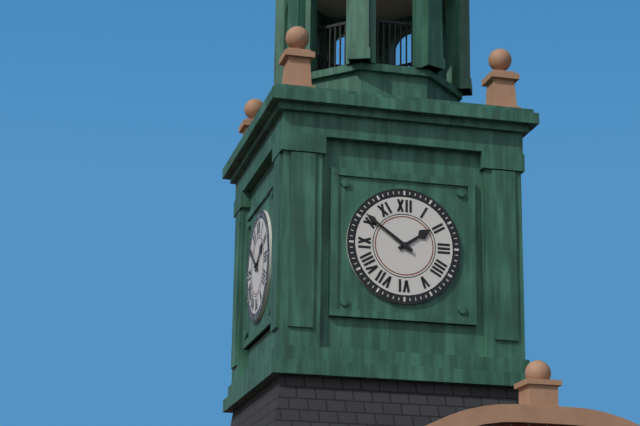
1:51
